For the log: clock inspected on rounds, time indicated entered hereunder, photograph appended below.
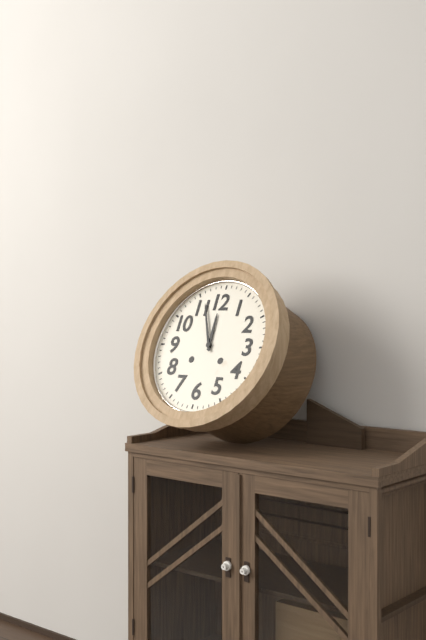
11:56
